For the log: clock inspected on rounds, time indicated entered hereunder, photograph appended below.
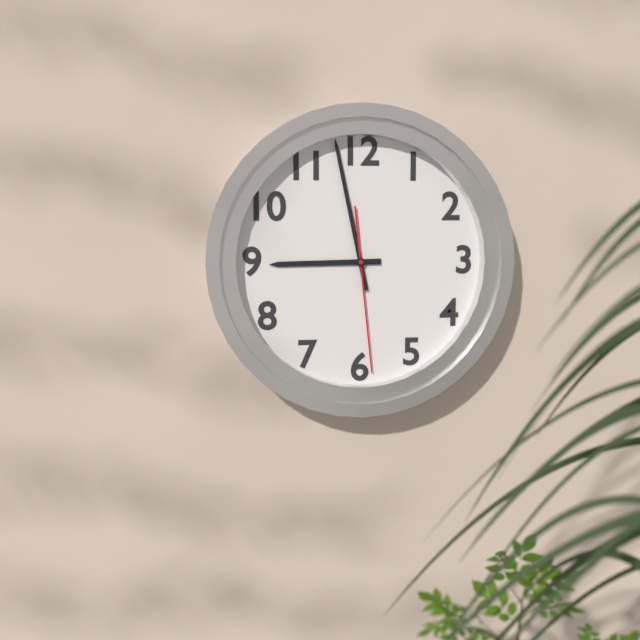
8:58:29
